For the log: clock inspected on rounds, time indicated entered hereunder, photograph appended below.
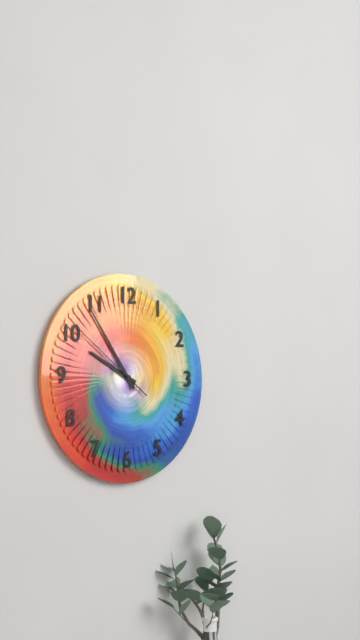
9:54:51
